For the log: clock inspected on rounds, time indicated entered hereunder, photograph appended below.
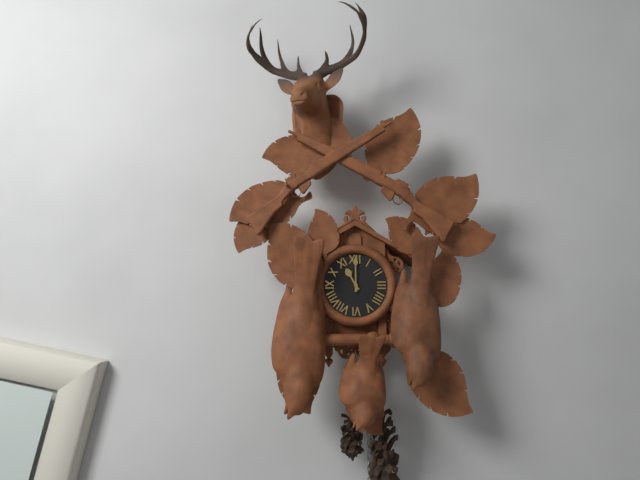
11:00
